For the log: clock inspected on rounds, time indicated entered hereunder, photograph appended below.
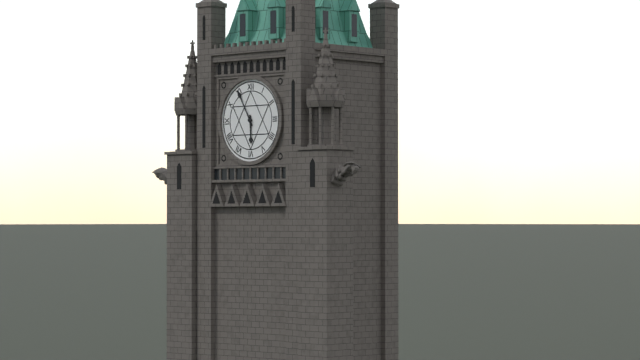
5:55
